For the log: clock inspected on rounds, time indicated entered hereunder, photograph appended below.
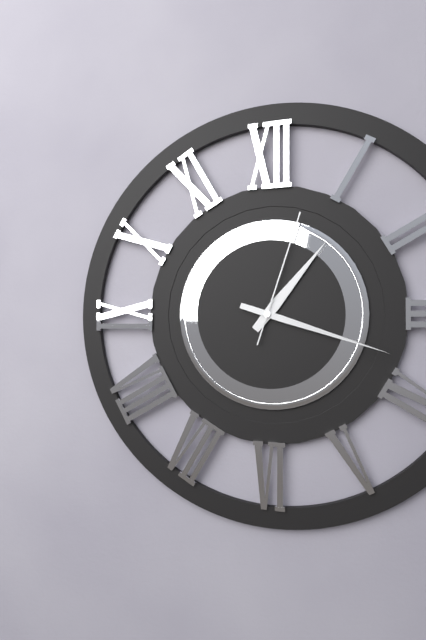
1:18:03
